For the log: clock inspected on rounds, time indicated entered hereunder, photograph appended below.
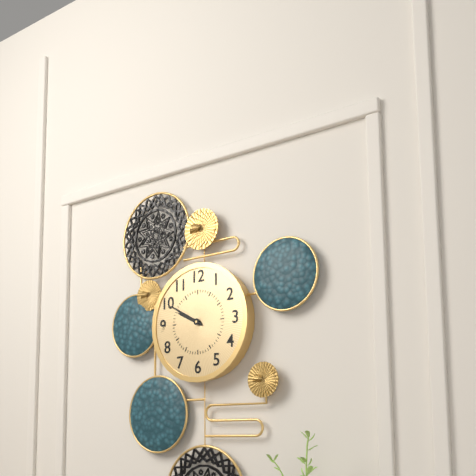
9:50
